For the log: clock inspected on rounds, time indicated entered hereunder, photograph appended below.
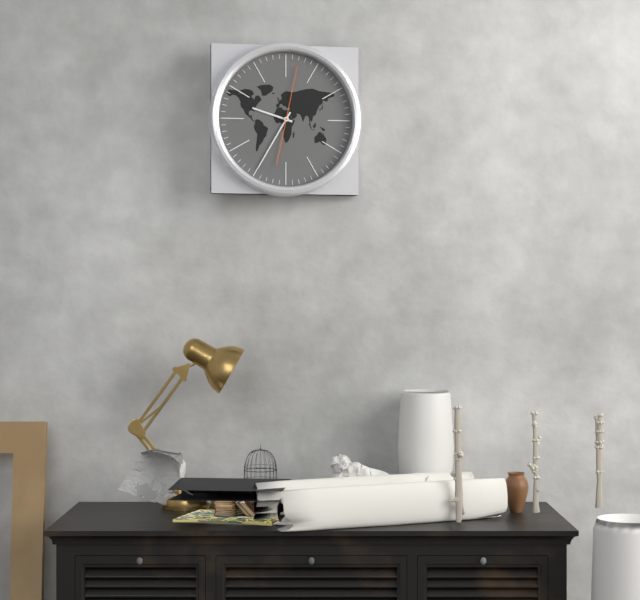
9:35:02
